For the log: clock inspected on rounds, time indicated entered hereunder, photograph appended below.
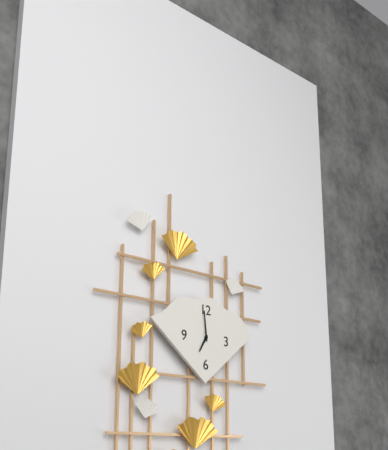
6:59
